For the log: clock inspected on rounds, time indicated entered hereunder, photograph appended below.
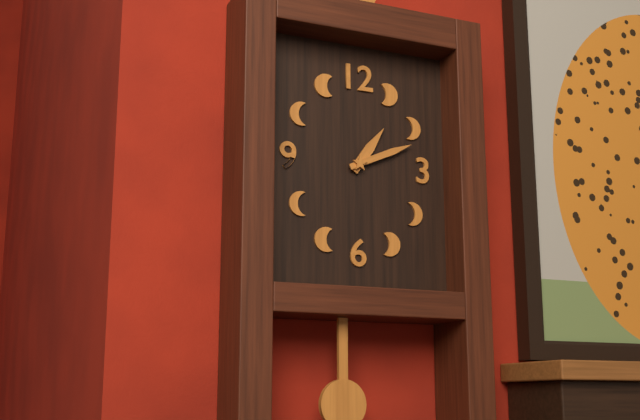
1:11
